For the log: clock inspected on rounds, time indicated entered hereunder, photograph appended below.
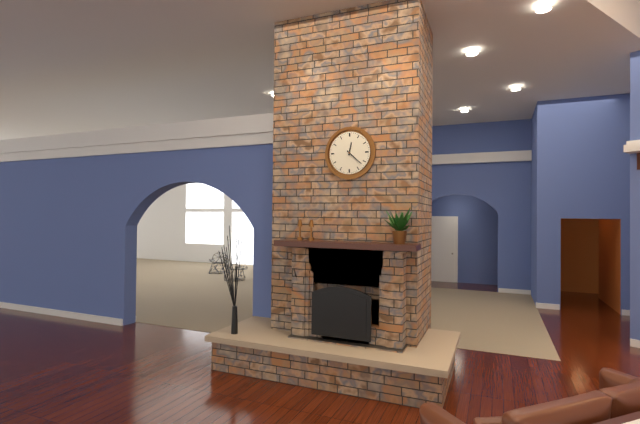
12:22
